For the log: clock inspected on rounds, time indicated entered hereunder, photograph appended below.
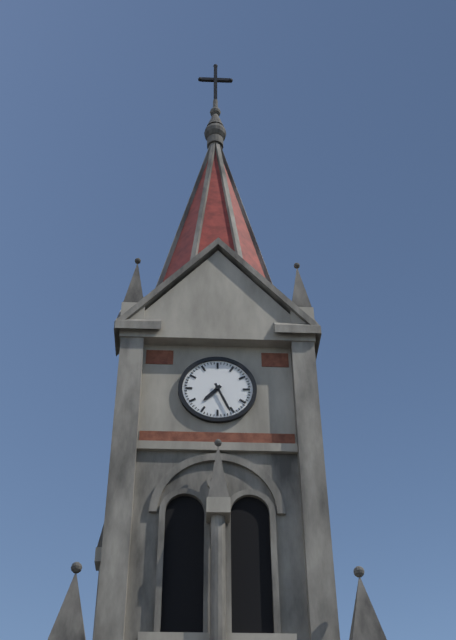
7:26
